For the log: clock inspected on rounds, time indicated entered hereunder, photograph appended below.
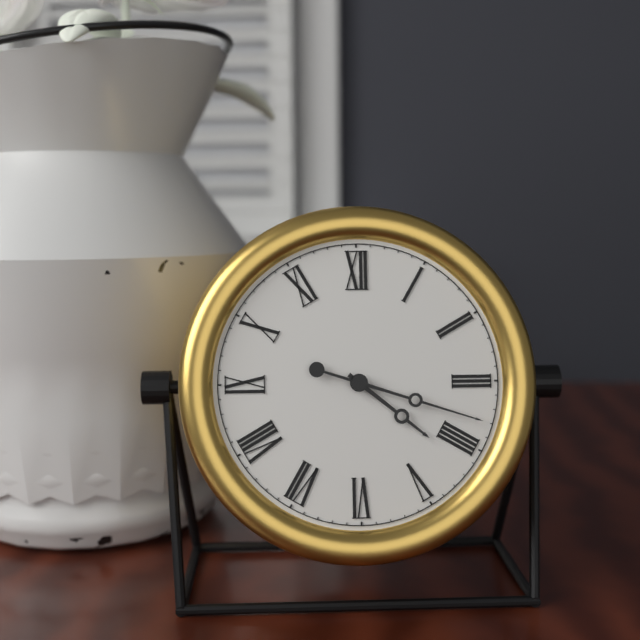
4:18
